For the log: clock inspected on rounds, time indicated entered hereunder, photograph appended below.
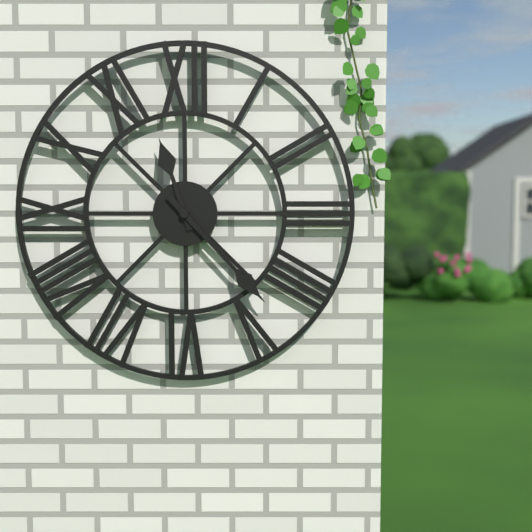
11:23
